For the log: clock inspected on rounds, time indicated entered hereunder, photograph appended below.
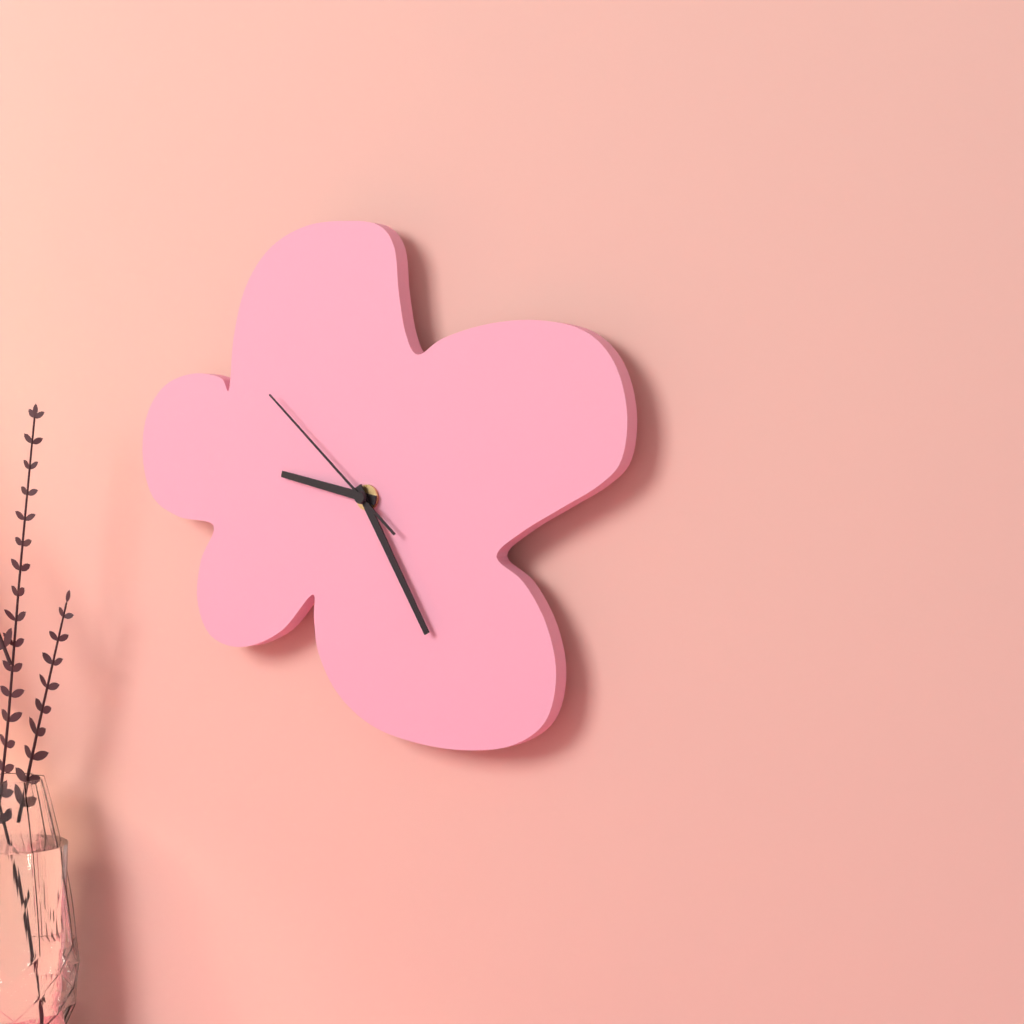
9:25:52
